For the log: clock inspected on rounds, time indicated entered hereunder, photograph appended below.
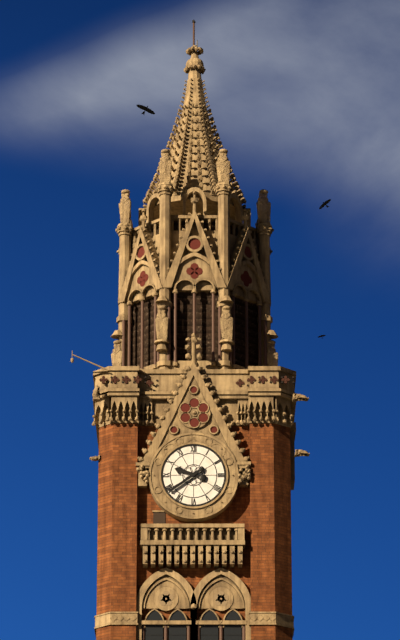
9:39
